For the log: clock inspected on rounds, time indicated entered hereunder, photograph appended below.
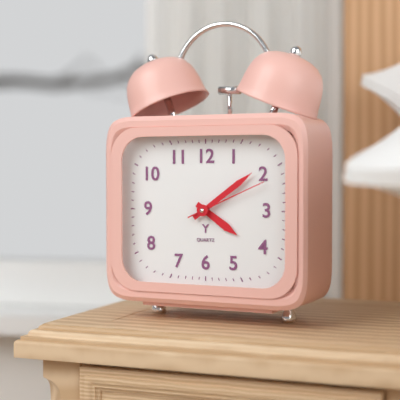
4:09:11
